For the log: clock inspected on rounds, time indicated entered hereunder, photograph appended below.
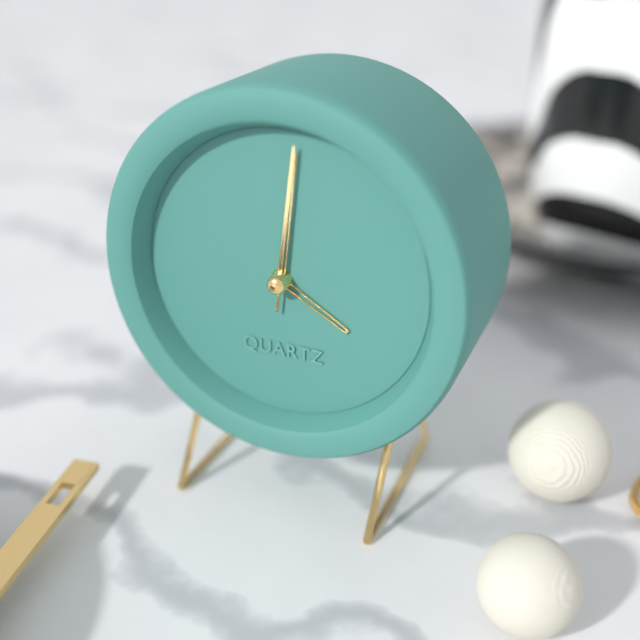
4:01:01
